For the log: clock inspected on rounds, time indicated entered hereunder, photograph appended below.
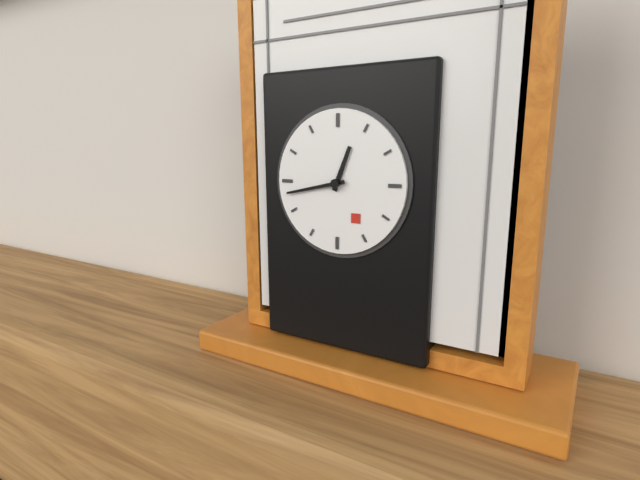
12:43
